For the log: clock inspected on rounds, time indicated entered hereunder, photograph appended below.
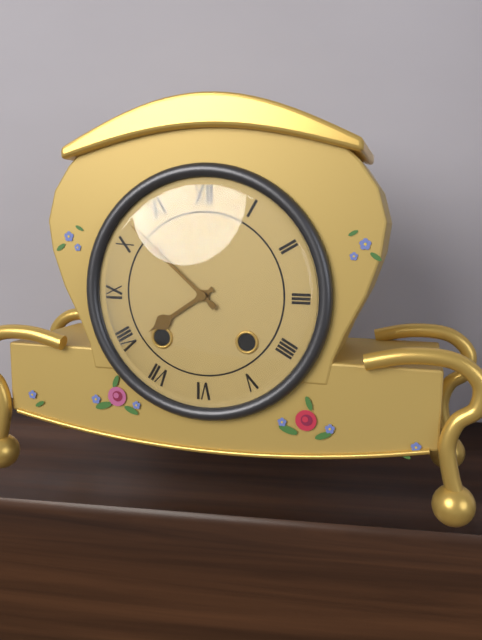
7:52
